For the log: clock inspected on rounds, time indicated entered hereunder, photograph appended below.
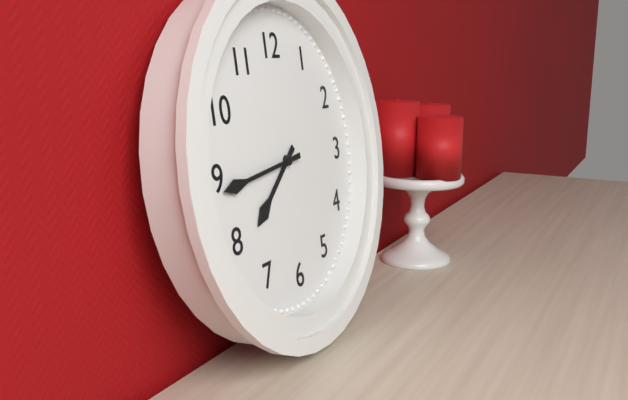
7:44
